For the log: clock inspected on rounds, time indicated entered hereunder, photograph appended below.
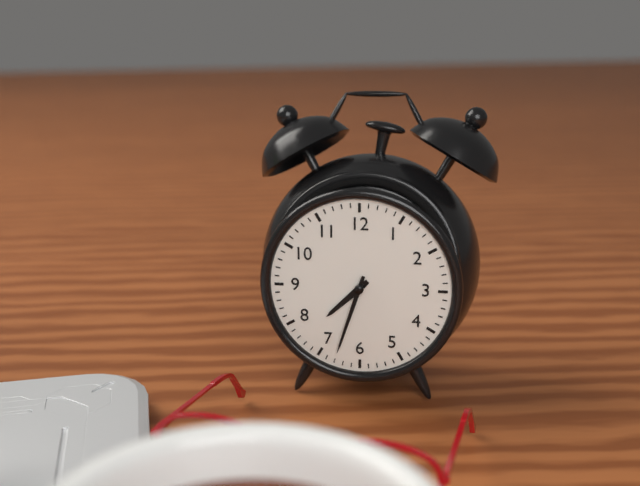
7:33
